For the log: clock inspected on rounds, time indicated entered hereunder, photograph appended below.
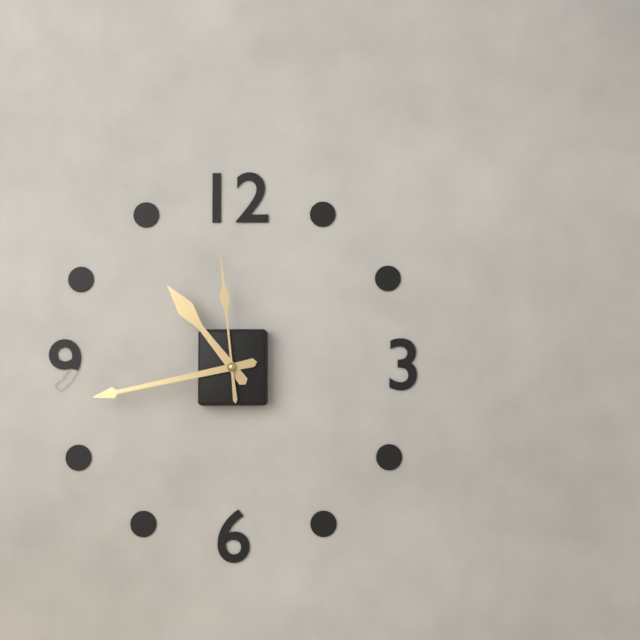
10:43:59
